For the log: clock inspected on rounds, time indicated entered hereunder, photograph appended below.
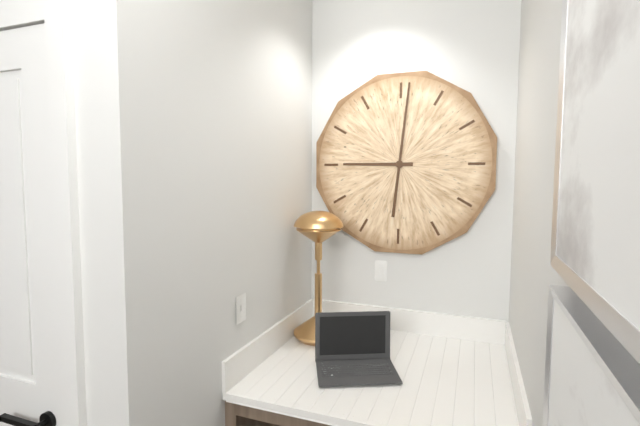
9:01
